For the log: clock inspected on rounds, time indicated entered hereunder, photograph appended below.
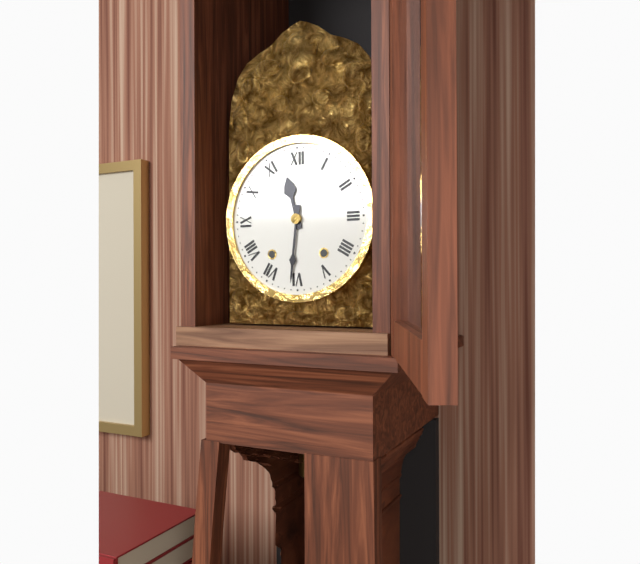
11:31
